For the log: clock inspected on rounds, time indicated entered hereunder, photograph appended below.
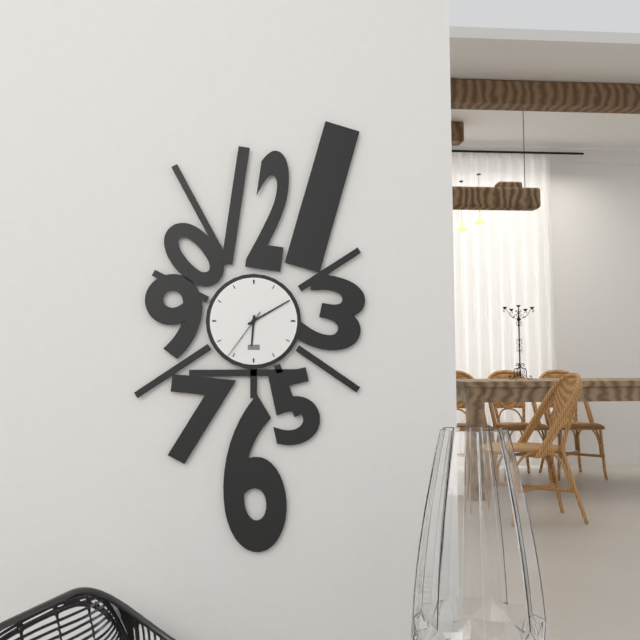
6:10:36
